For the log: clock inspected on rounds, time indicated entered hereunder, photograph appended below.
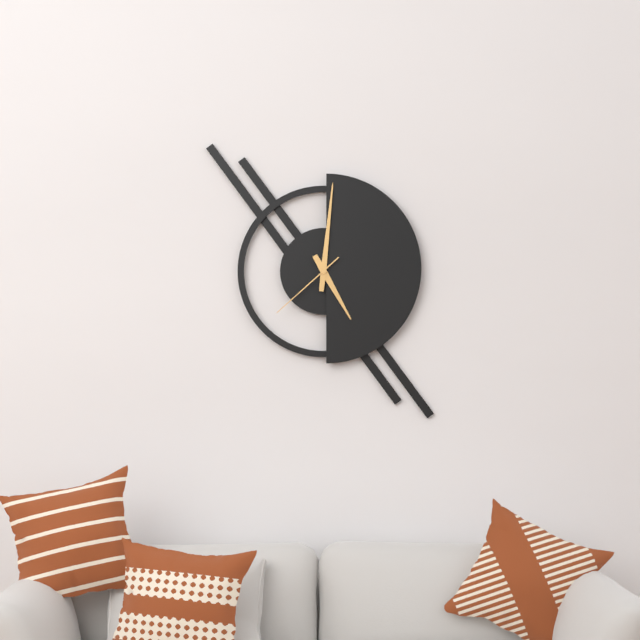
5:01:38
